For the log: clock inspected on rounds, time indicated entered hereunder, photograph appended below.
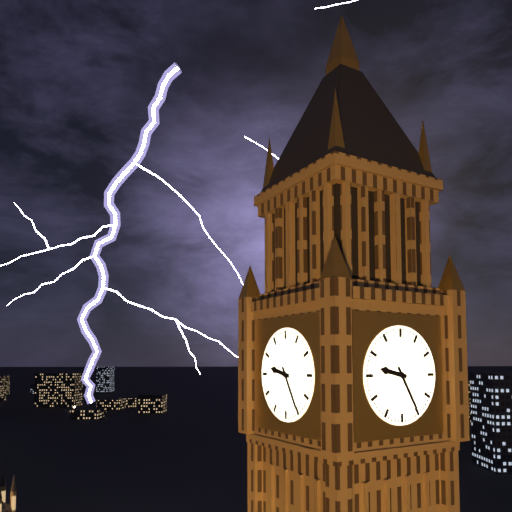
9:25
